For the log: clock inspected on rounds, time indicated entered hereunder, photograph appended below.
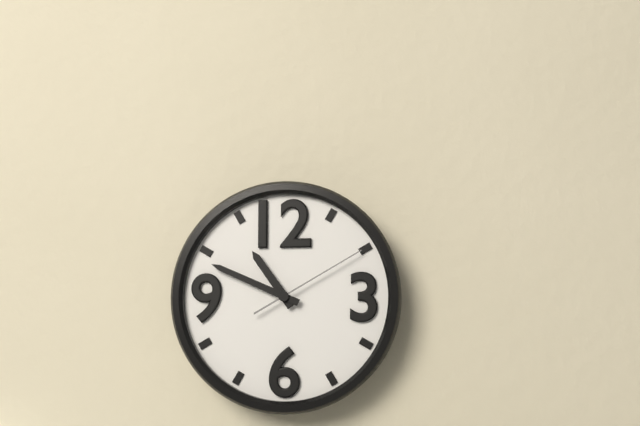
10:49:10
